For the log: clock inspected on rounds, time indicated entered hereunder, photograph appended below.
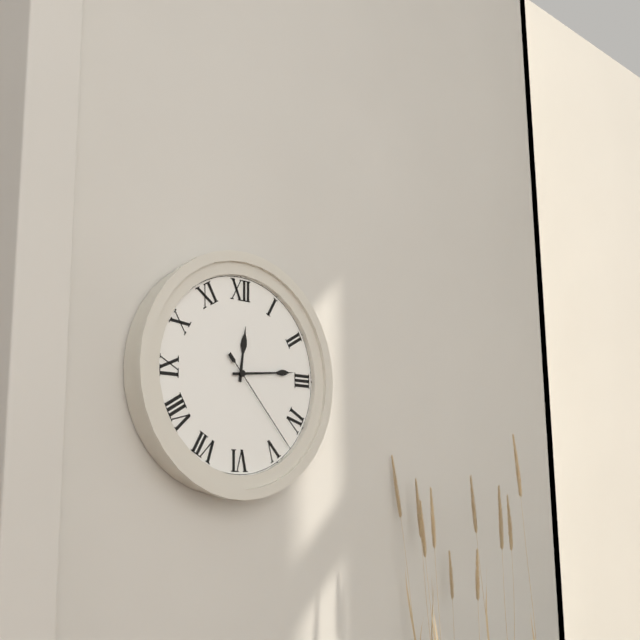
12:14:23
